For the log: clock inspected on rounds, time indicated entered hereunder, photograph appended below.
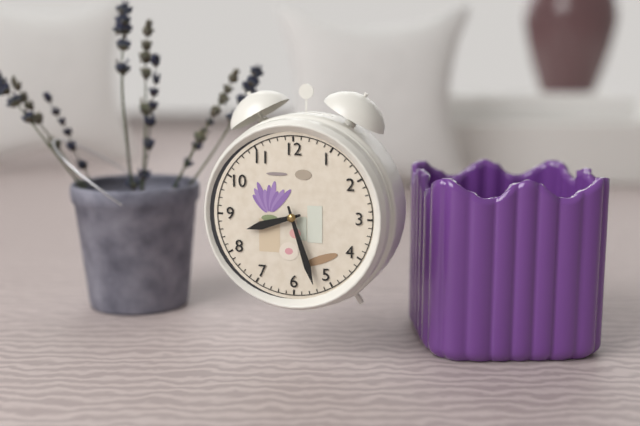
8:27
